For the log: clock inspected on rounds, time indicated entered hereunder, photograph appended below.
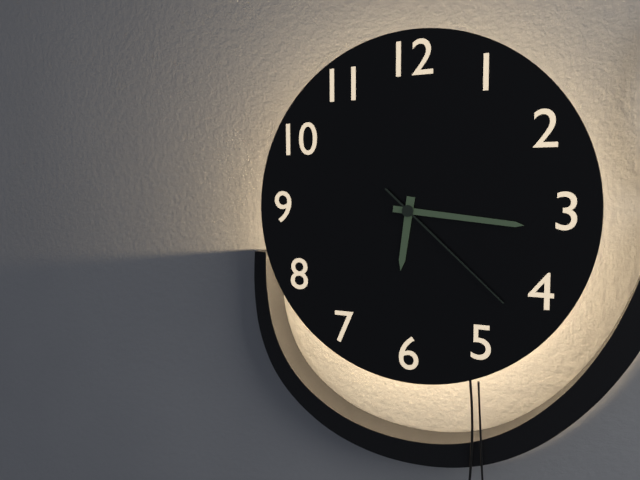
6:16:22
